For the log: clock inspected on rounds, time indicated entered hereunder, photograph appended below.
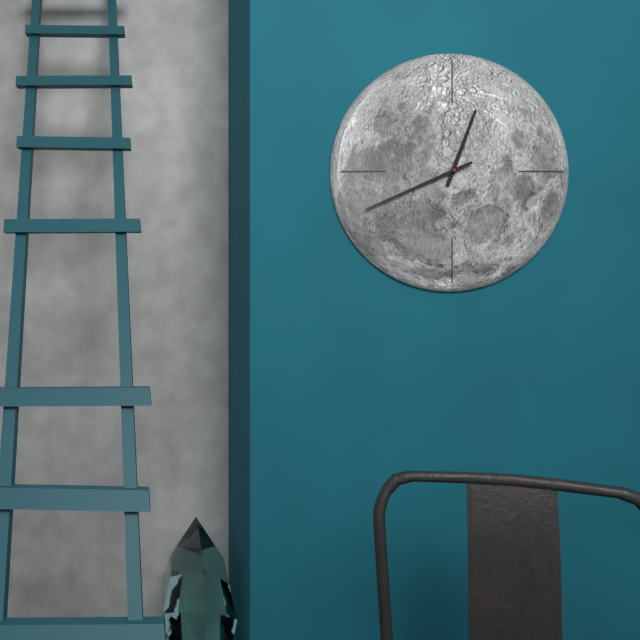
12:41
